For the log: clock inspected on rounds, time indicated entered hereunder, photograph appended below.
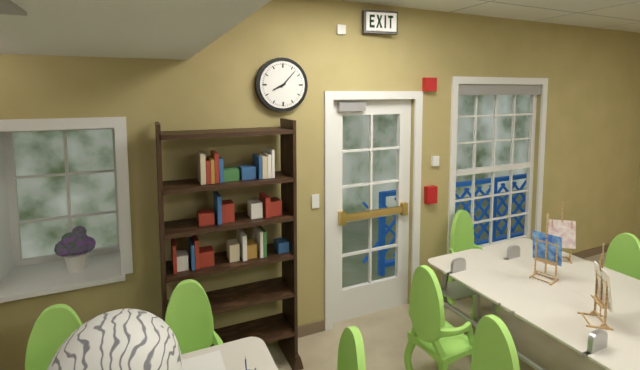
8:07
